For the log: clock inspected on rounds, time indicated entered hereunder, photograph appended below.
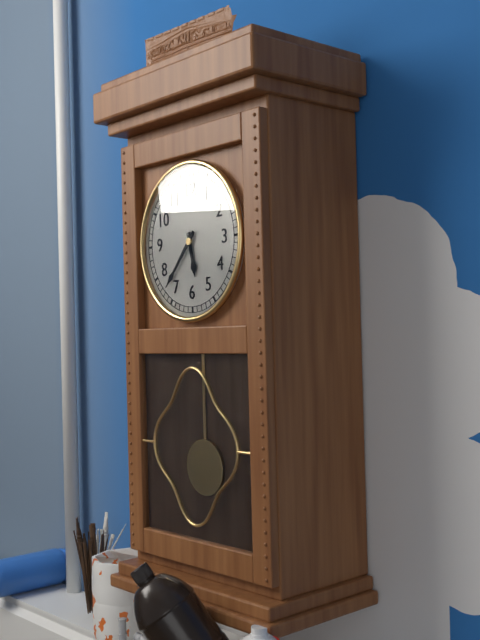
5:37
